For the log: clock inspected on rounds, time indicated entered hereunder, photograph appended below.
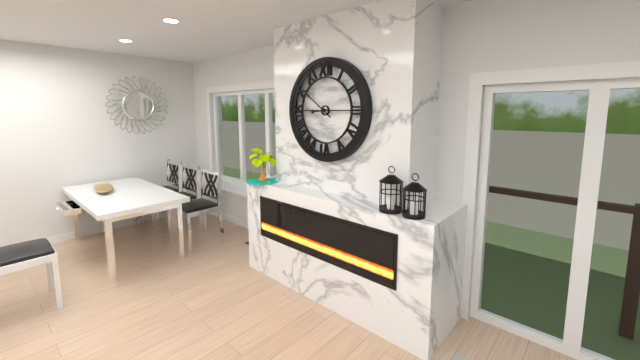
8:51
